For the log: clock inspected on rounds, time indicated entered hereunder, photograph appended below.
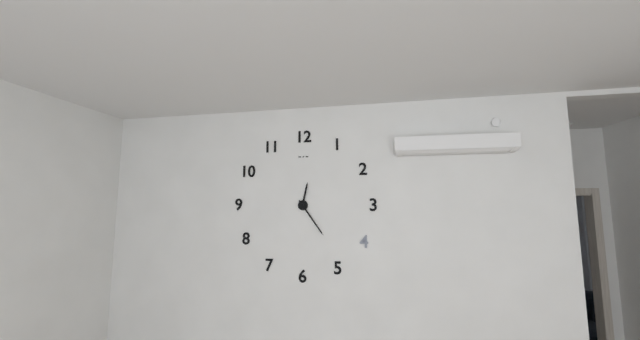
12:24
